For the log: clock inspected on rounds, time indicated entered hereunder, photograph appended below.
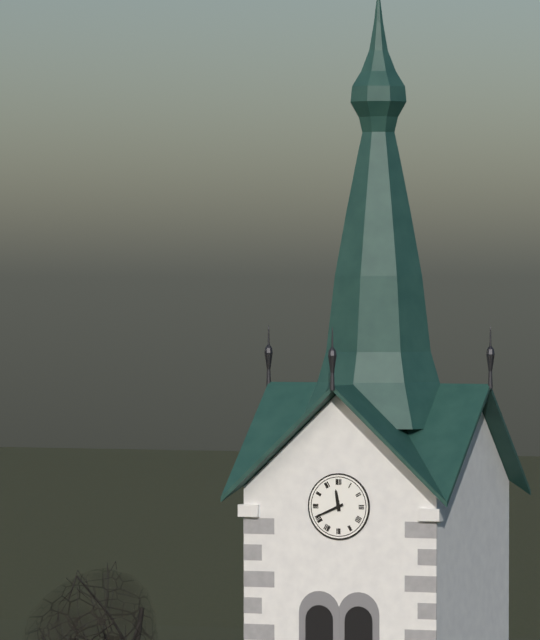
11:41
